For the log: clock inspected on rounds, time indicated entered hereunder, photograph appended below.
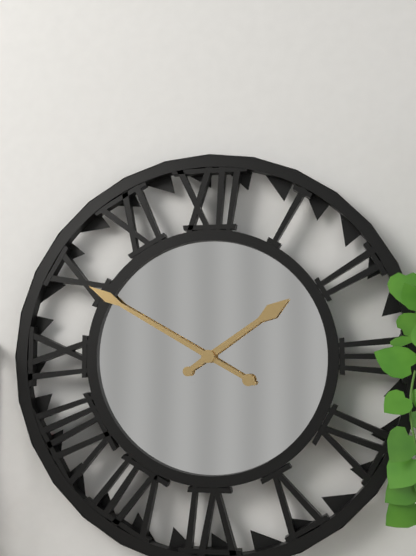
1:50
